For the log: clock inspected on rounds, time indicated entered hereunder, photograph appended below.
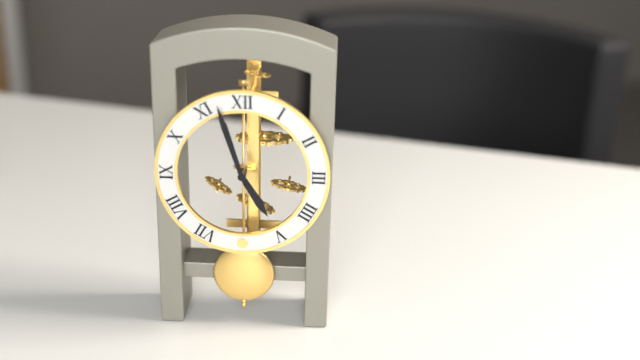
4:57
